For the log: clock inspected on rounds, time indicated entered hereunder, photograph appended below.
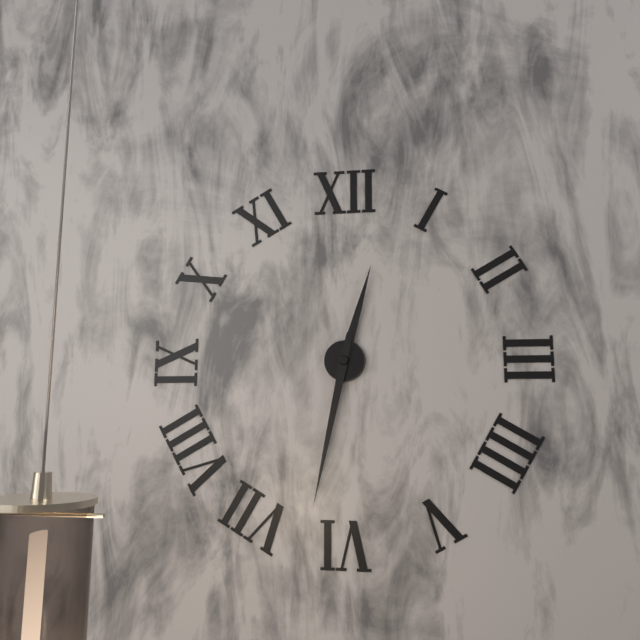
12:32
